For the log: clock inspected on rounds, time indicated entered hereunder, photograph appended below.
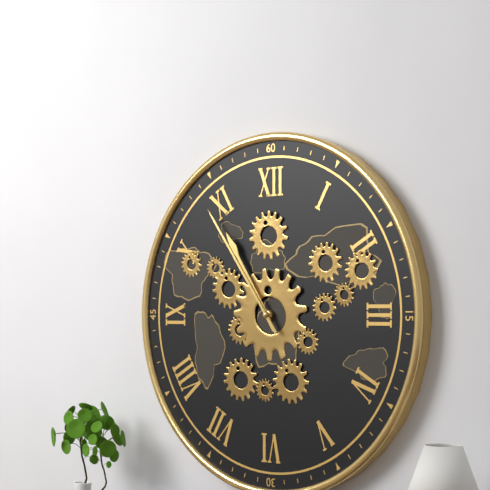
10:54
